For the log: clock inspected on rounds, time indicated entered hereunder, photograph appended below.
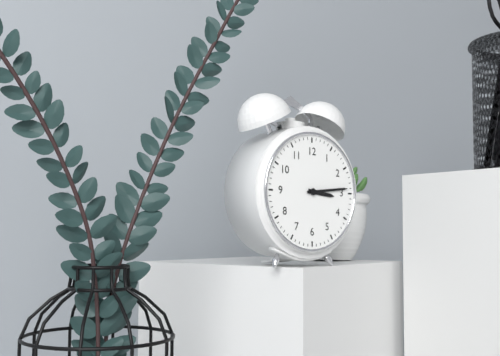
3:14
